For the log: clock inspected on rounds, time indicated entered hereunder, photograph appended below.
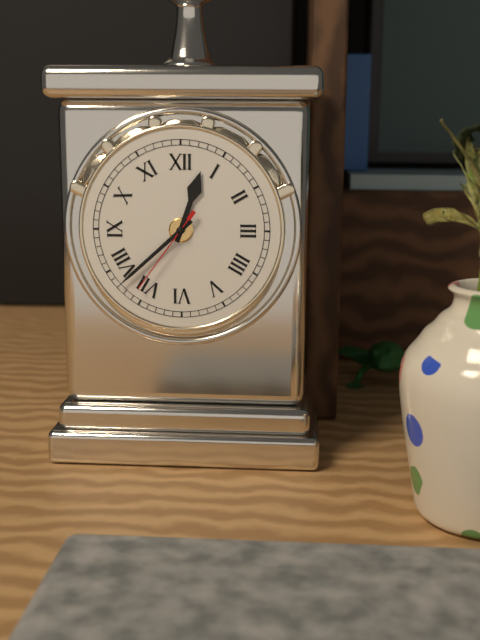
12:38:36
